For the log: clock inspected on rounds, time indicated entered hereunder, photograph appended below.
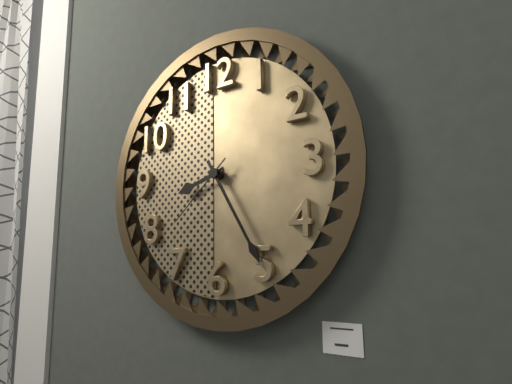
8:25:38
